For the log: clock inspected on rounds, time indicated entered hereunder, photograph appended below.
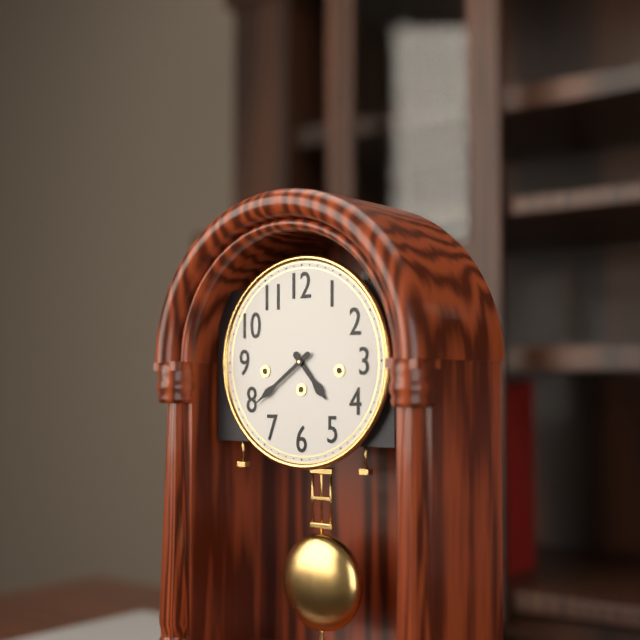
4:39
